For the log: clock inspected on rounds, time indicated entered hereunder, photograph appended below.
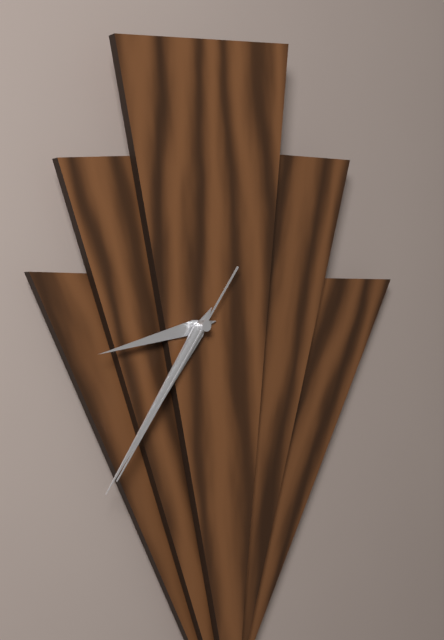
8:36:36
